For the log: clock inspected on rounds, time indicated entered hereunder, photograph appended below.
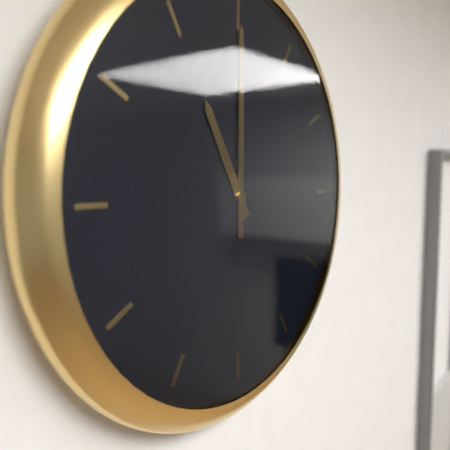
11:00
